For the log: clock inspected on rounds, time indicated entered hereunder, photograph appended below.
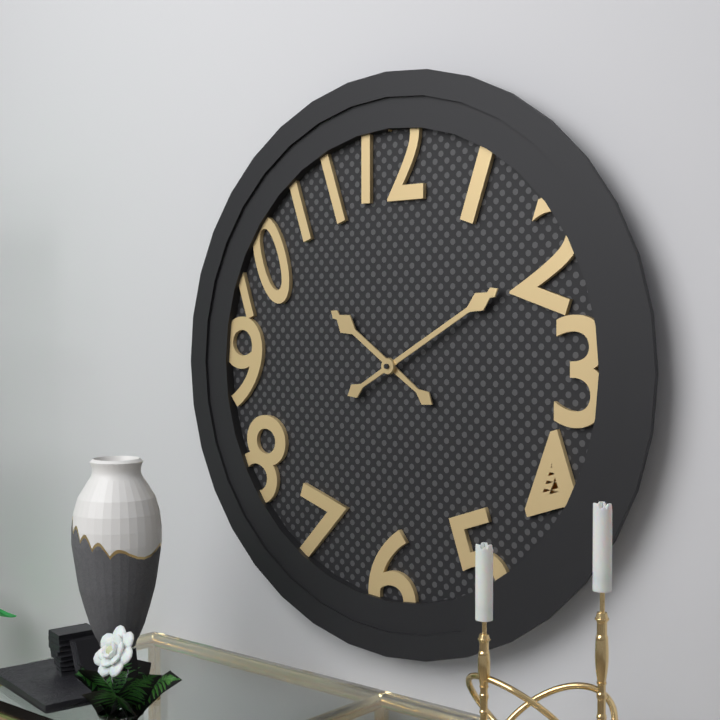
10:10
